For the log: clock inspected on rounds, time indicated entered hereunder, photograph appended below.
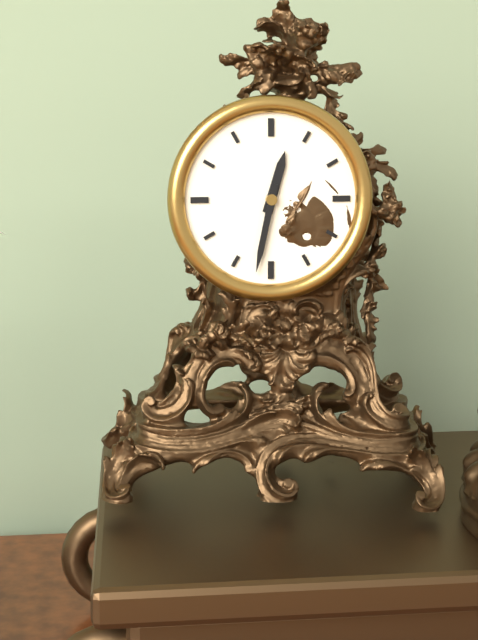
12:32
